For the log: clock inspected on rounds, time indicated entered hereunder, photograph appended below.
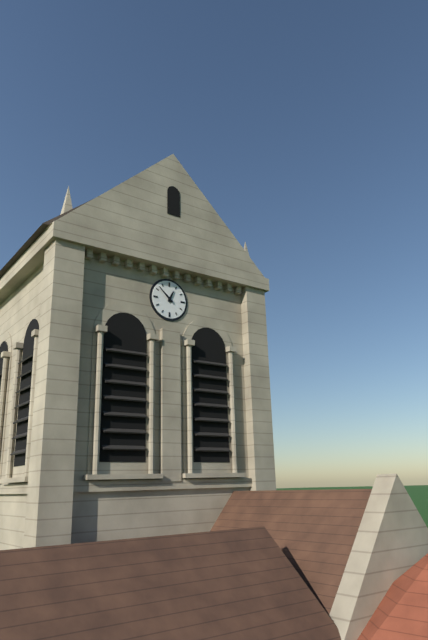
12:52
